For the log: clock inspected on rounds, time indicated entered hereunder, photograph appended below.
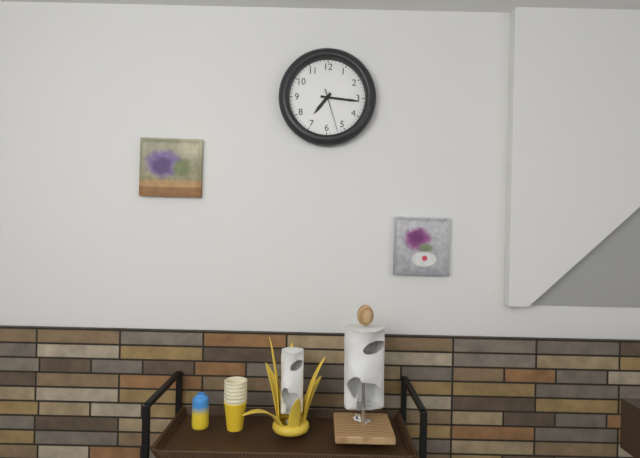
7:16
